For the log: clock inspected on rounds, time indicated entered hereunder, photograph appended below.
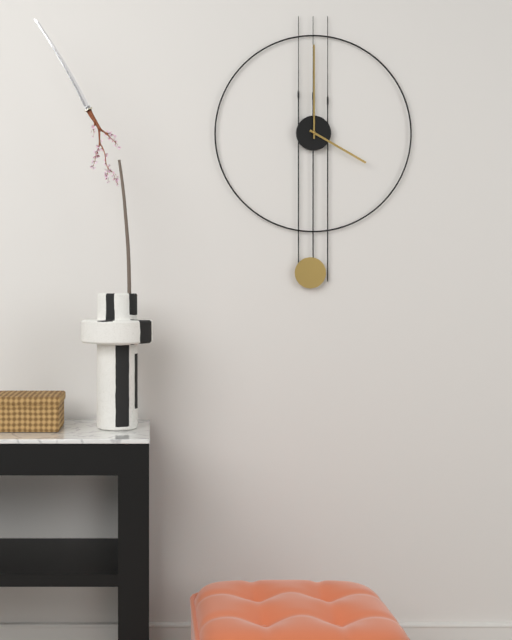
4:00
